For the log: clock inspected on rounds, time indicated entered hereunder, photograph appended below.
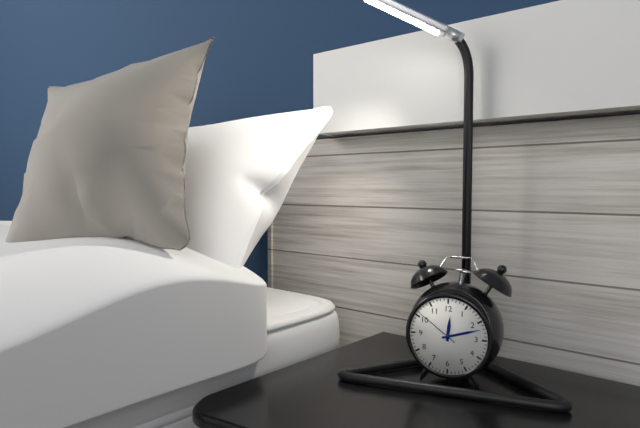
12:12
